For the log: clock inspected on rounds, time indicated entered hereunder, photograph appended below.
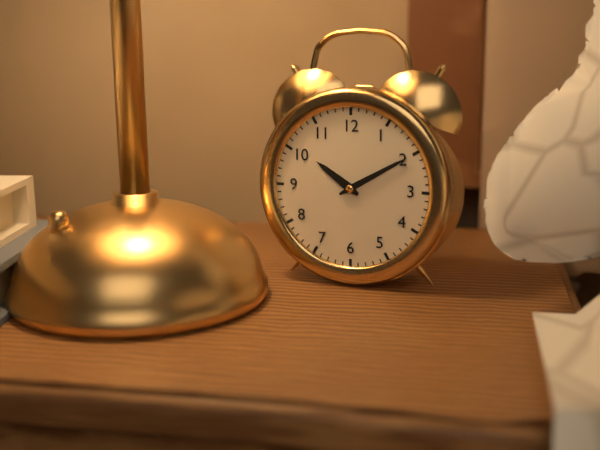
10:10
